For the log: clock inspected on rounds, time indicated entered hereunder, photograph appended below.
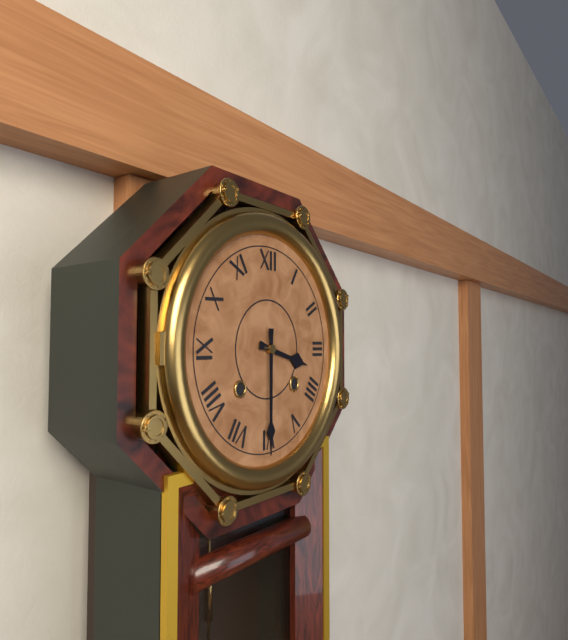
3:30
